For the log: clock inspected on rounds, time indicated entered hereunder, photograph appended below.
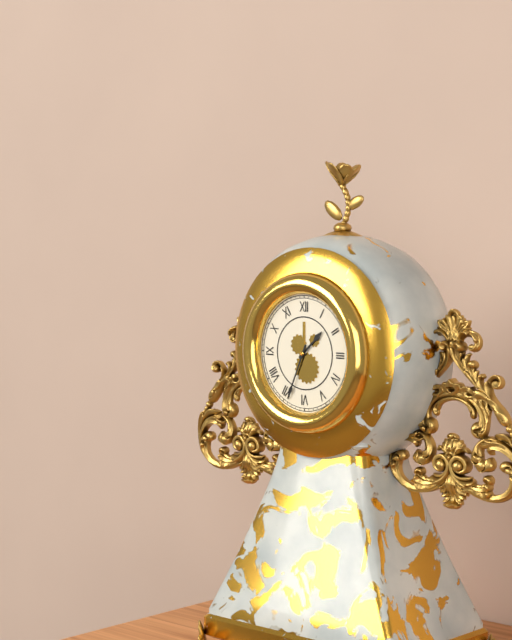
1:34
